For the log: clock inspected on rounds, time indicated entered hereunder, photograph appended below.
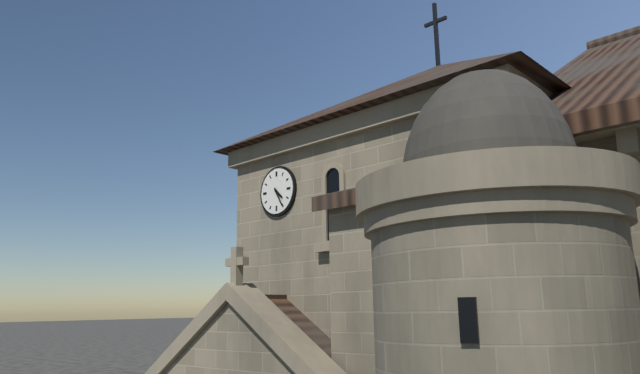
4:25
